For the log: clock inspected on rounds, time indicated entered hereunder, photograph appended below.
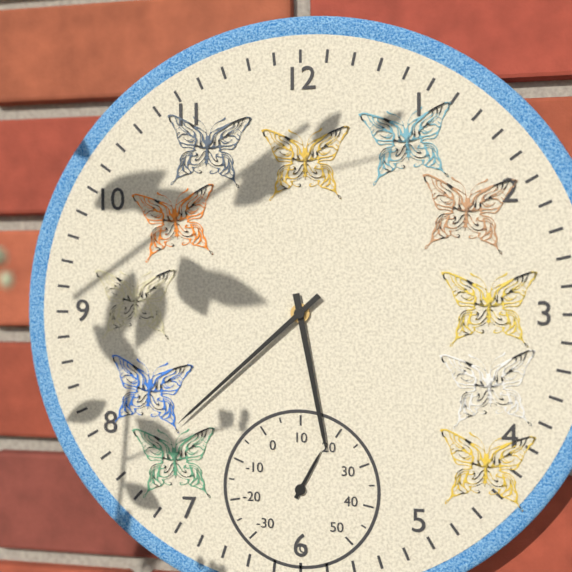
5:38
